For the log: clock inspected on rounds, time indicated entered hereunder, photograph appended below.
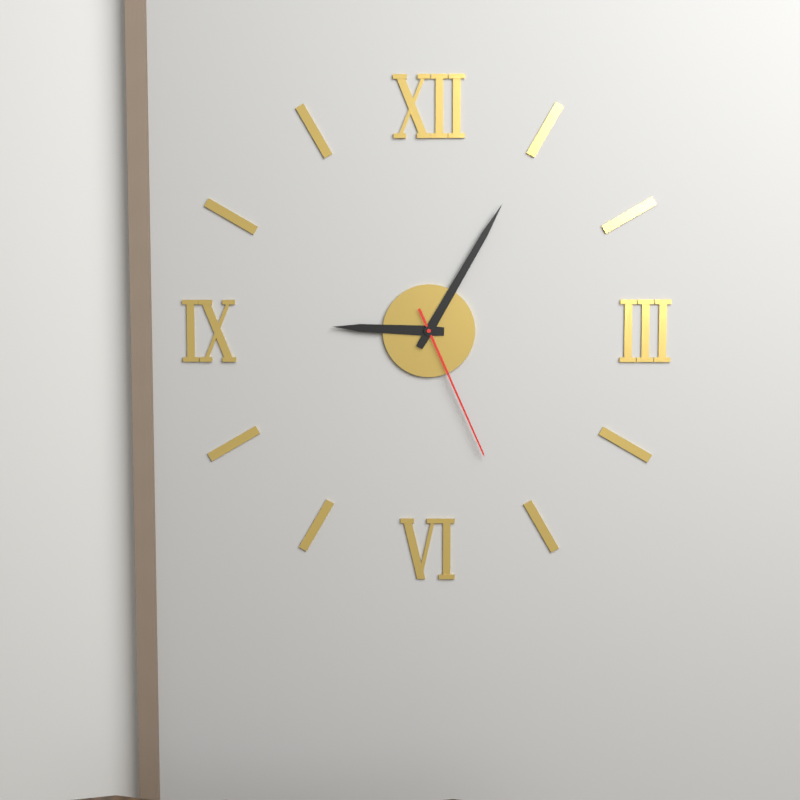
9:05:26
